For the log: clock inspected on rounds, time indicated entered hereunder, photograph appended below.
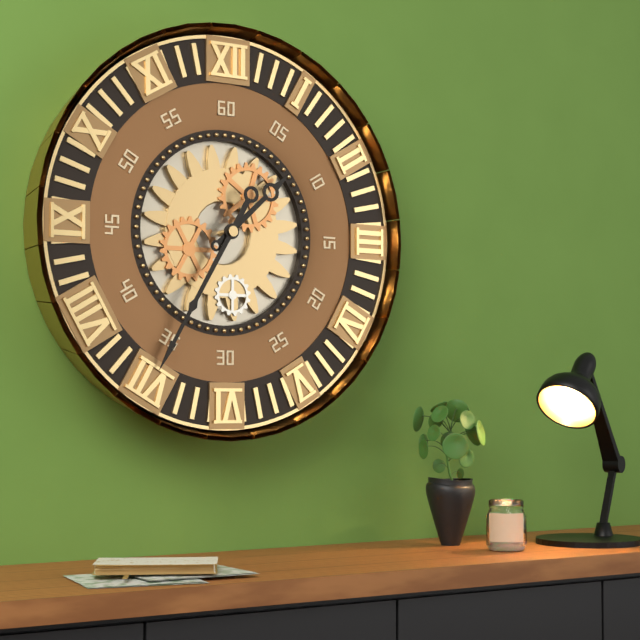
1:35
